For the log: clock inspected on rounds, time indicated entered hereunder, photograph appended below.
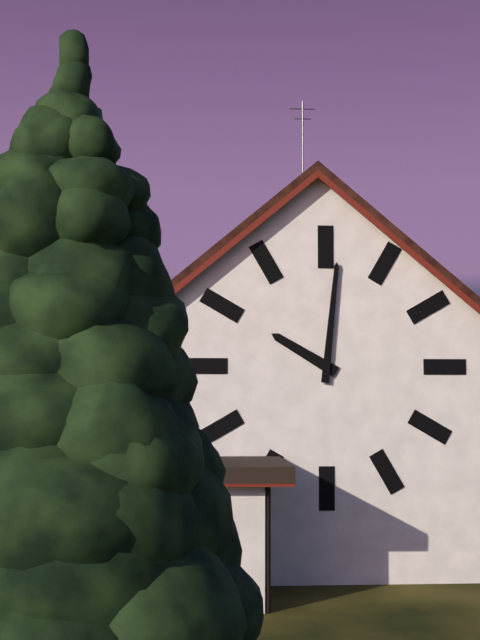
10:01
